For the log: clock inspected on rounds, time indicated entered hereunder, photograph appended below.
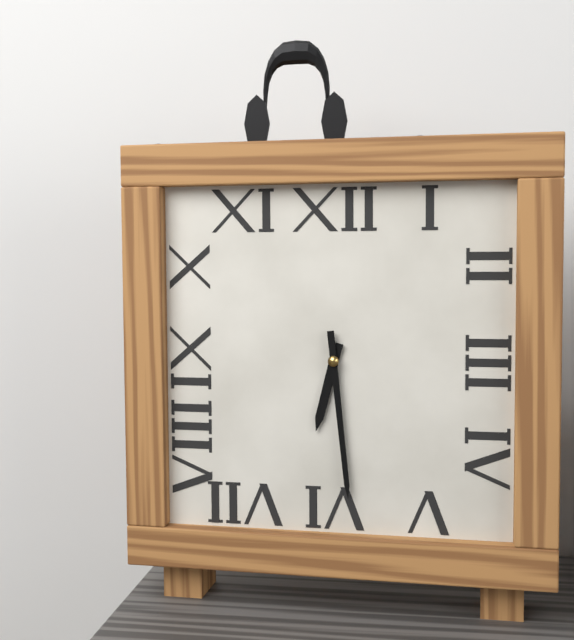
6:29
